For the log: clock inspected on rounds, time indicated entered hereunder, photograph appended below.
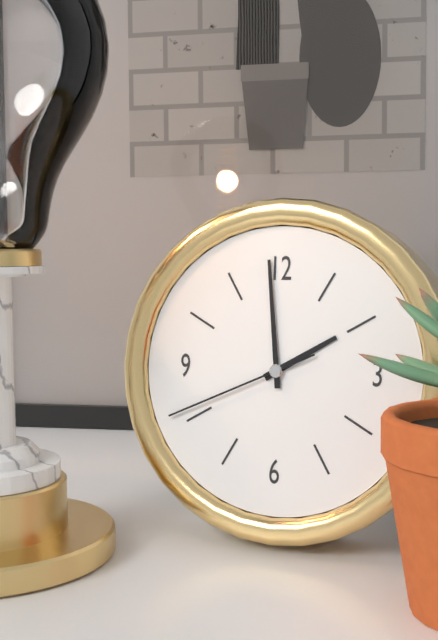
1:59:41
